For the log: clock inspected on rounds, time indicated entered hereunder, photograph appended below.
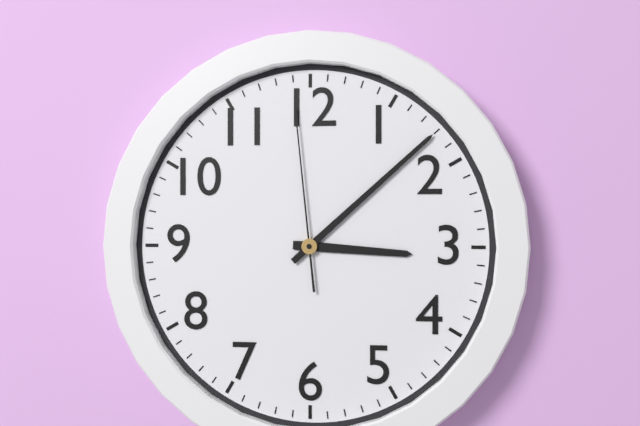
3:08:59
